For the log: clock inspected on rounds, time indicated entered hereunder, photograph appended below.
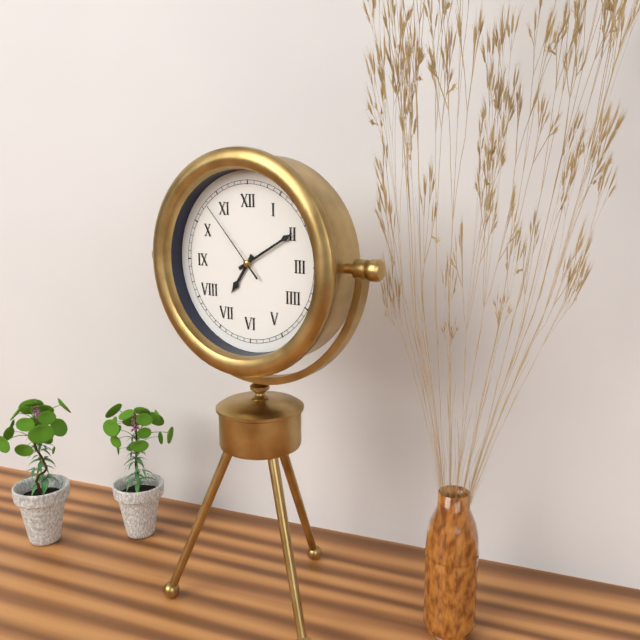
7:10:53
